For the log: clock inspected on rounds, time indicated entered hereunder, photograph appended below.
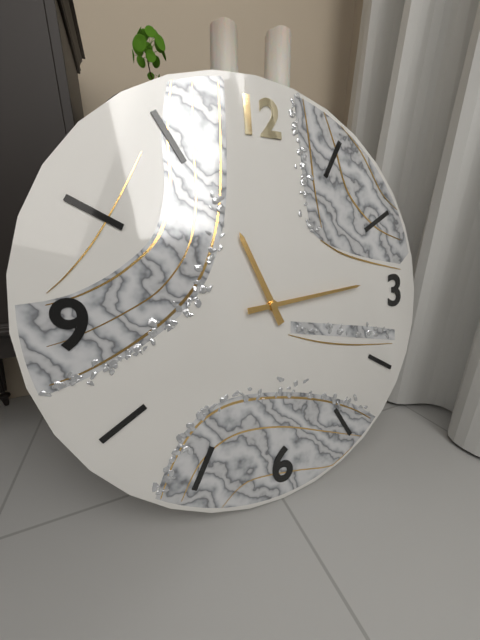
11:14
